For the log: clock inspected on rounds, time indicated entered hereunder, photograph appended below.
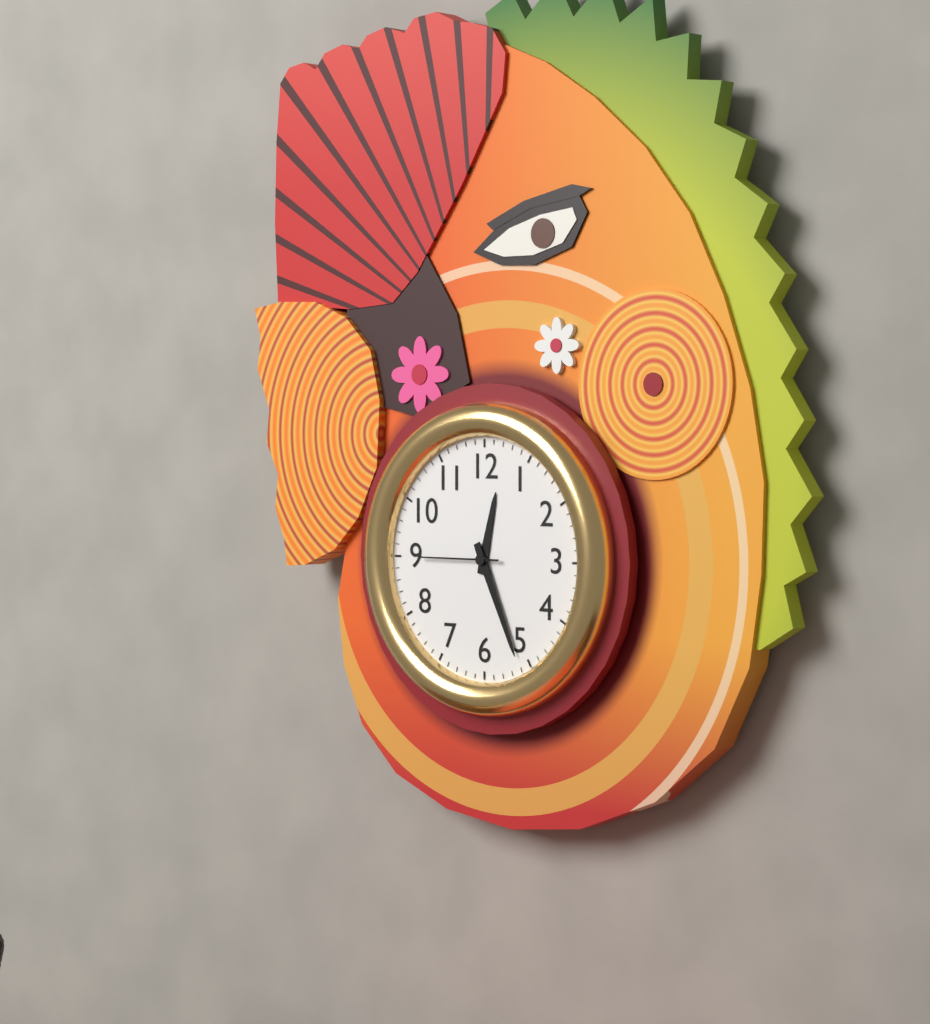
12:26:45
